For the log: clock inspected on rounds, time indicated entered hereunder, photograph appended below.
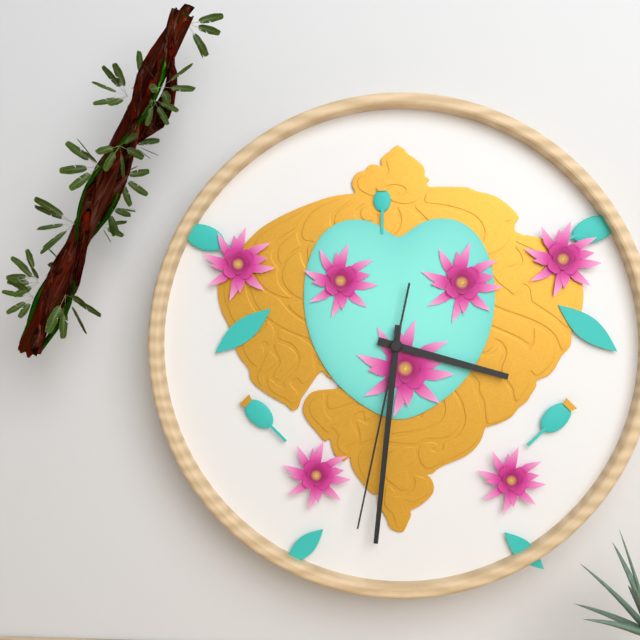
3:31:32
